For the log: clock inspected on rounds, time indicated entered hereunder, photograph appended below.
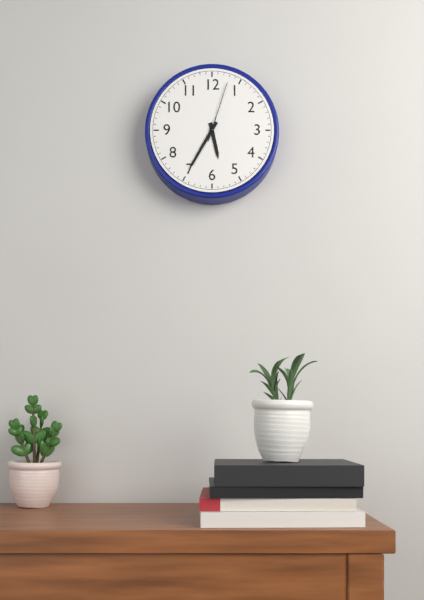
5:35:03
